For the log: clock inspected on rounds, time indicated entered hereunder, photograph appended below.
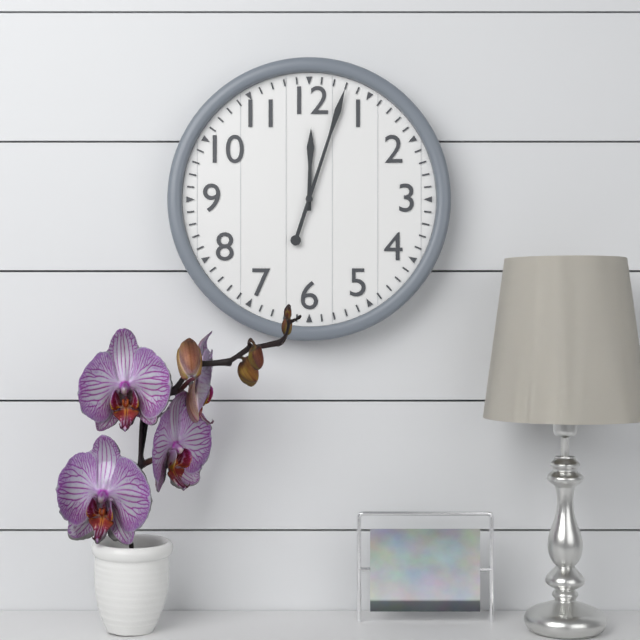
12:03
